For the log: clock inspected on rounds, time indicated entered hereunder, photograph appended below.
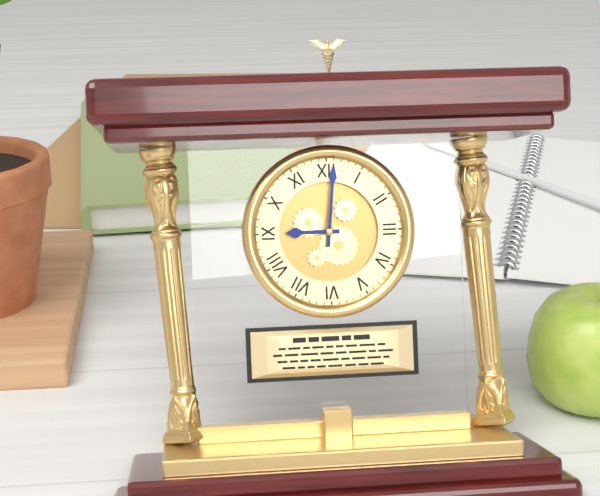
9:01
